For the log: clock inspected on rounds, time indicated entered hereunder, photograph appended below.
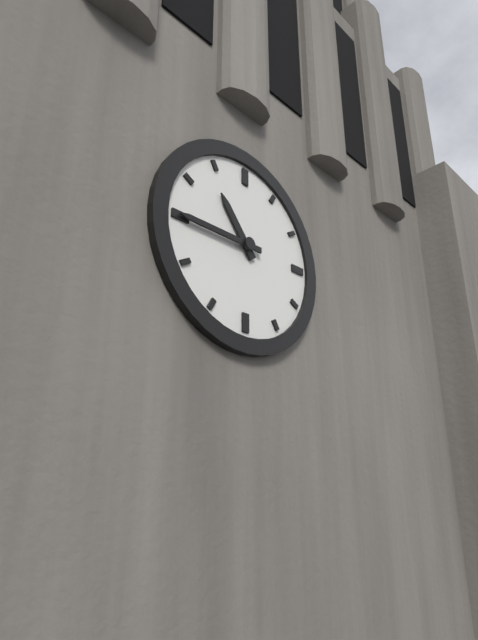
10:45
